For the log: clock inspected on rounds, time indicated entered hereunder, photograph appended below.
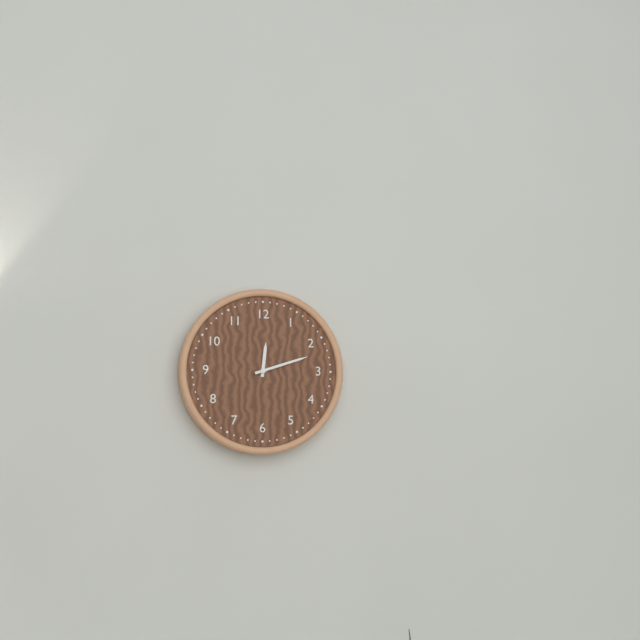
12:12
